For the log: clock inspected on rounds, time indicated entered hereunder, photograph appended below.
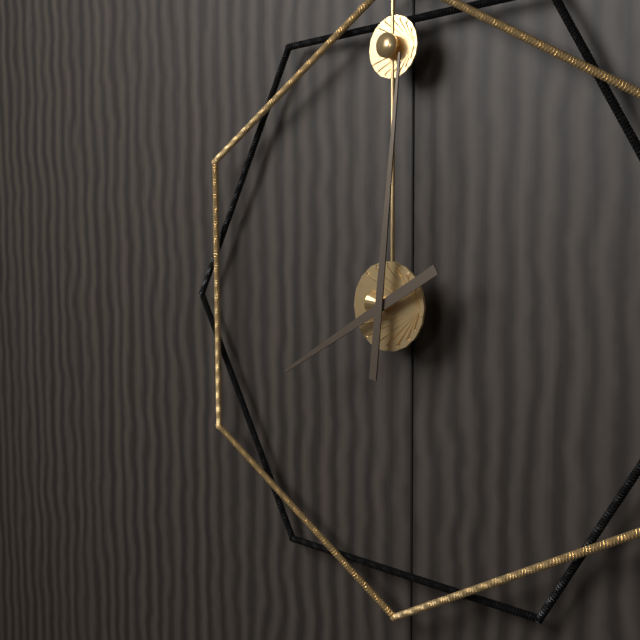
8:01
